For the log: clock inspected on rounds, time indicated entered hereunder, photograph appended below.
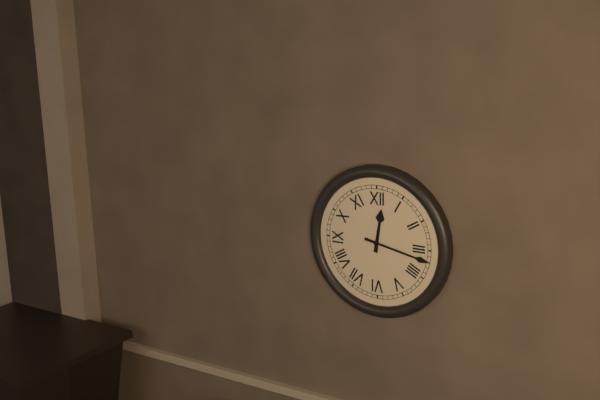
12:17
